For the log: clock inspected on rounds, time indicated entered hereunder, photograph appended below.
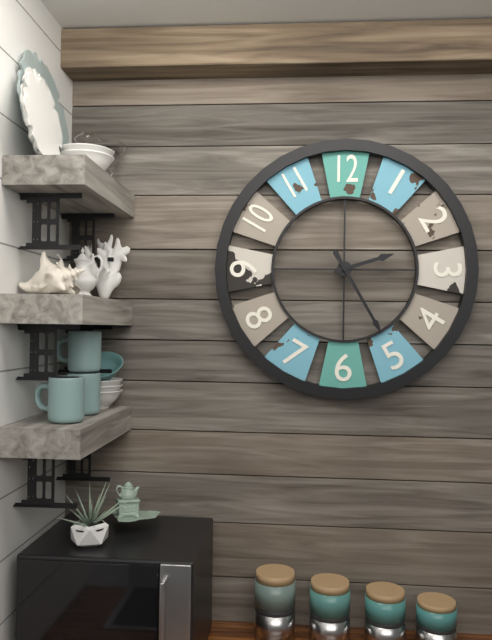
2:25
